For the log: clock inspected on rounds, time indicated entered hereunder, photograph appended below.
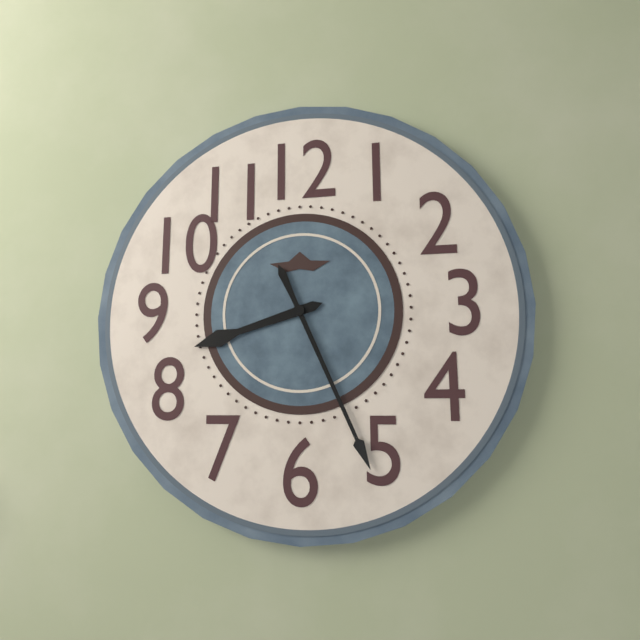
8:26
